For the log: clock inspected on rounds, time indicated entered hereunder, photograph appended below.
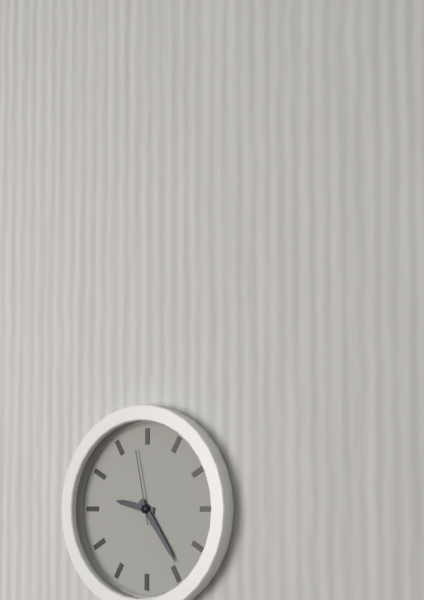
9:24:58
